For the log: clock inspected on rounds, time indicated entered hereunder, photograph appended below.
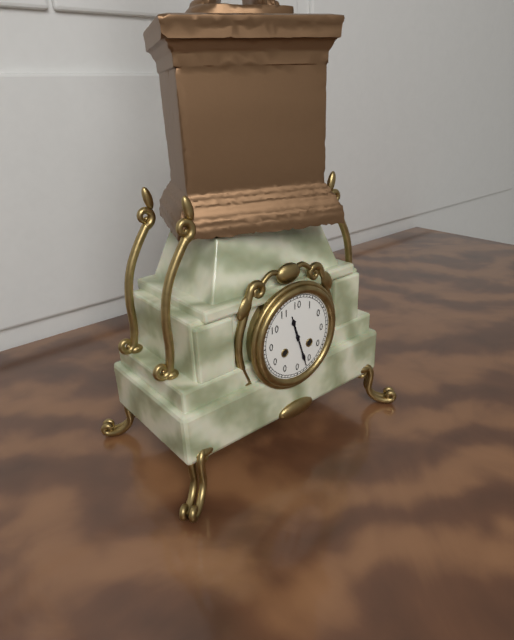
11:27
